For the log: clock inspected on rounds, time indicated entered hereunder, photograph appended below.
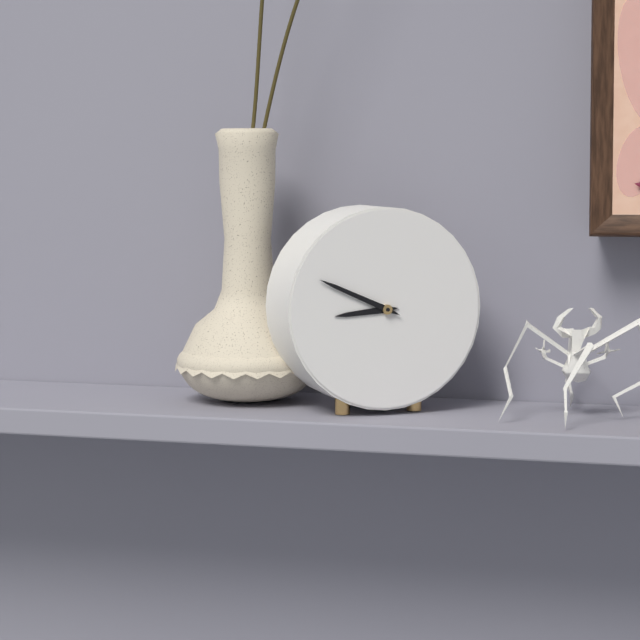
8:49
